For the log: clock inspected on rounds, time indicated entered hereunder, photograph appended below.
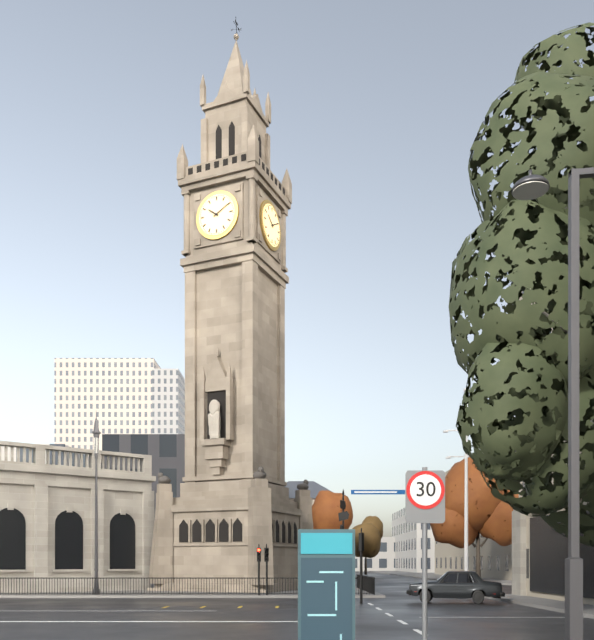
10:10
